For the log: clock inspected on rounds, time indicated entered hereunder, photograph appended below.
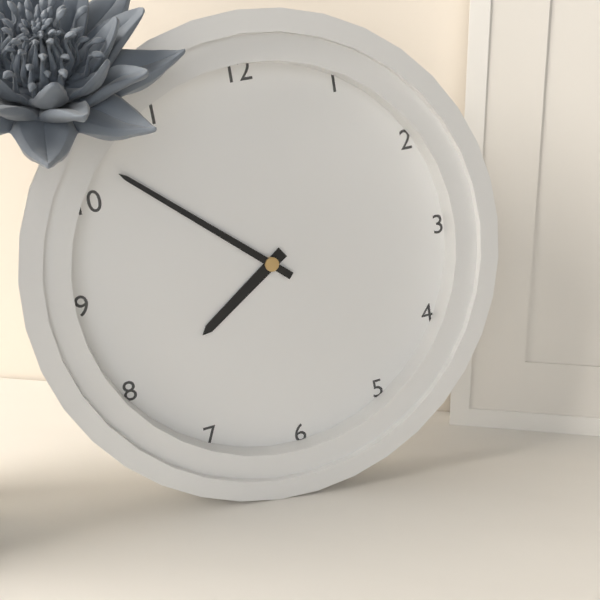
7:52
